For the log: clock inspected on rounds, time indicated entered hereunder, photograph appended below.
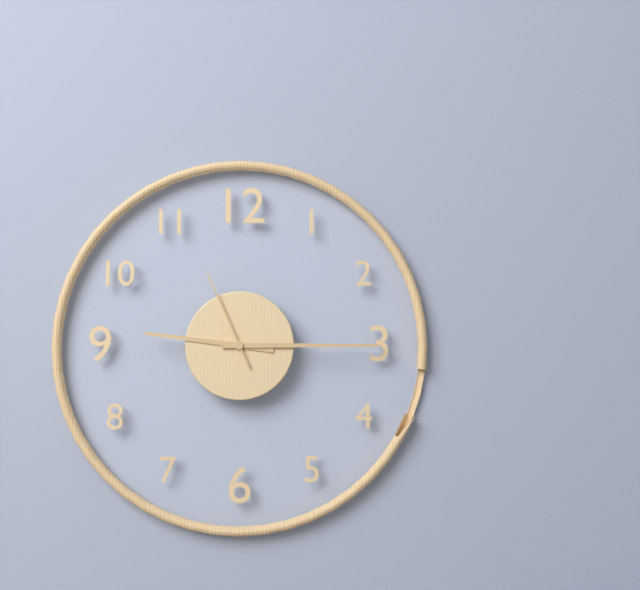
9:15:56
